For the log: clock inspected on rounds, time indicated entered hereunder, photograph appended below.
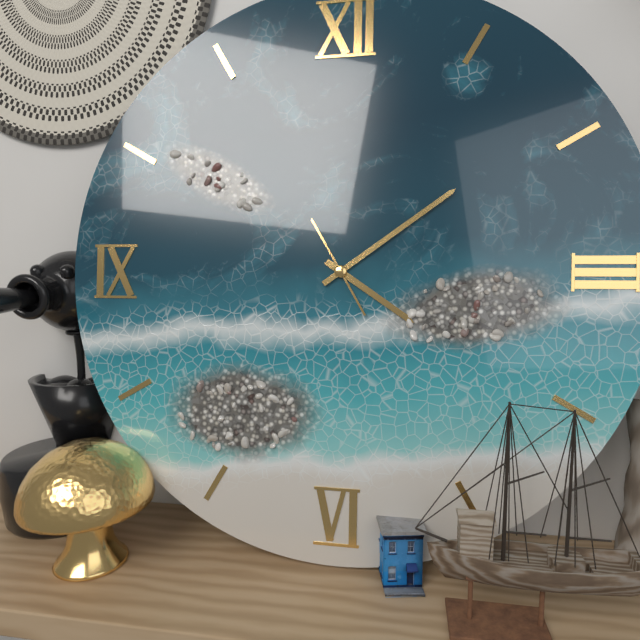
4:09:55
